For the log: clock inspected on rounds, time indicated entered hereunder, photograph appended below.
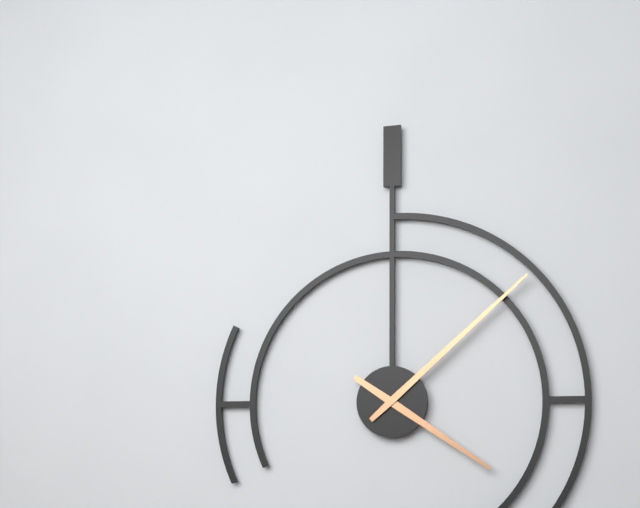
4:08
